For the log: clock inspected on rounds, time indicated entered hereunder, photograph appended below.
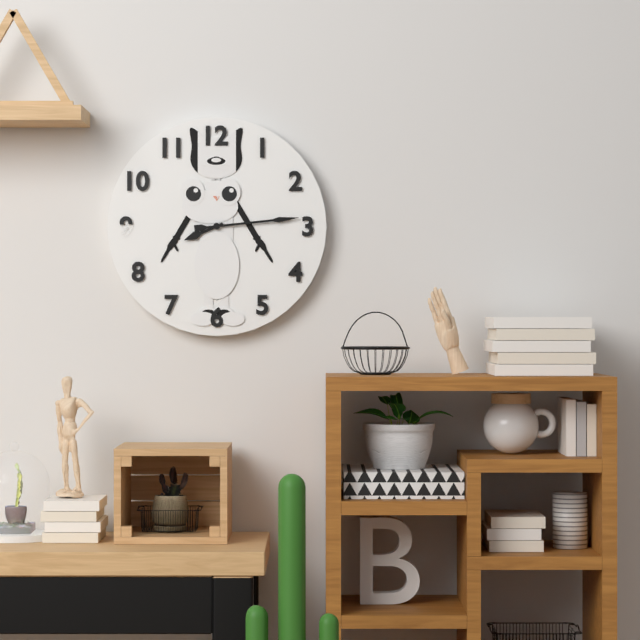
8:14
